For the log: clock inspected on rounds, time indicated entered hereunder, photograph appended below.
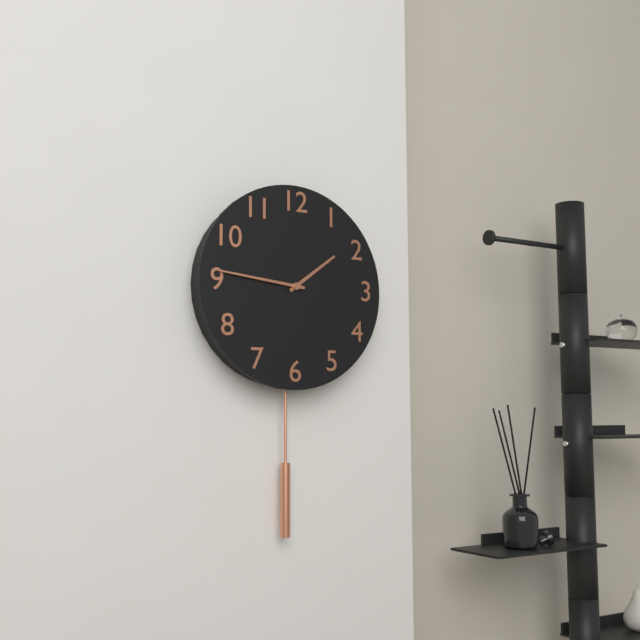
1:46
